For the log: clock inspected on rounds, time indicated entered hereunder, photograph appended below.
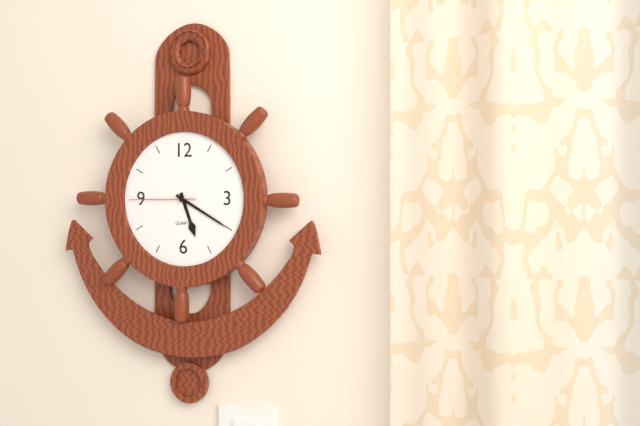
5:20:45
